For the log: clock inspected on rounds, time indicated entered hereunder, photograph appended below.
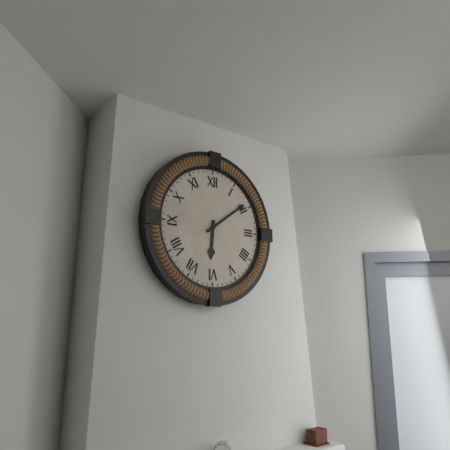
6:09
